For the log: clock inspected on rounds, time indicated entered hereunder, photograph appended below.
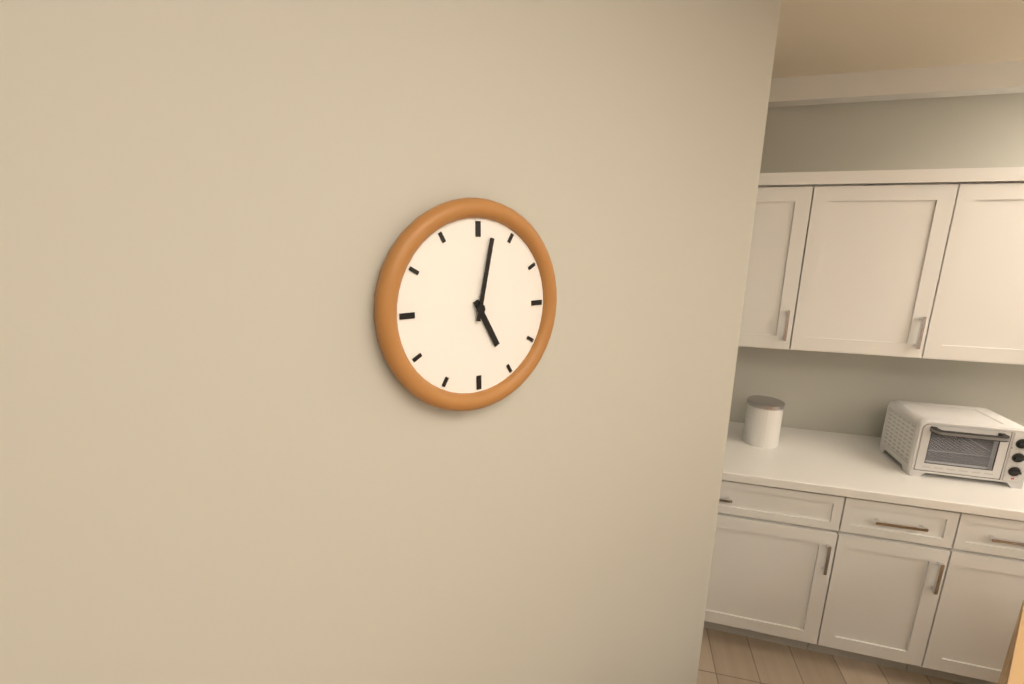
5:02
